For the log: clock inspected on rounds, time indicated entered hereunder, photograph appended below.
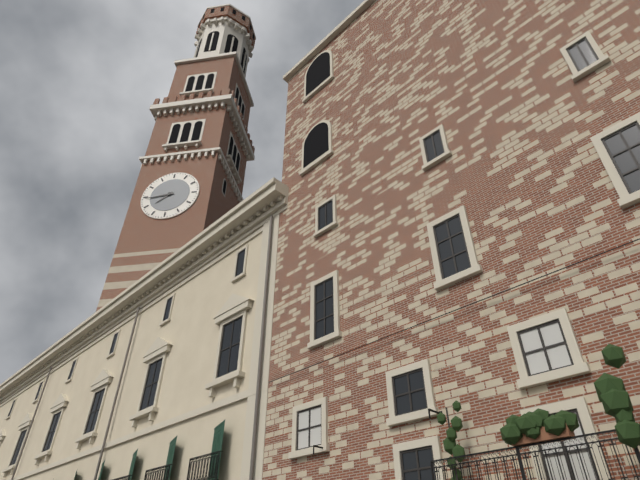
7:44
